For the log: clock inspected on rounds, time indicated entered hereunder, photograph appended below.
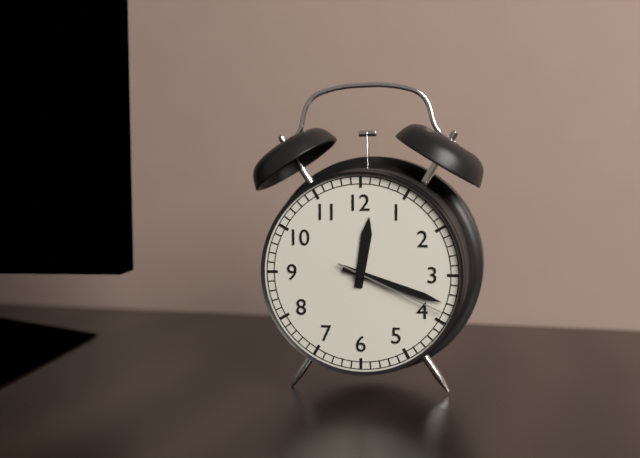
12:18:19
